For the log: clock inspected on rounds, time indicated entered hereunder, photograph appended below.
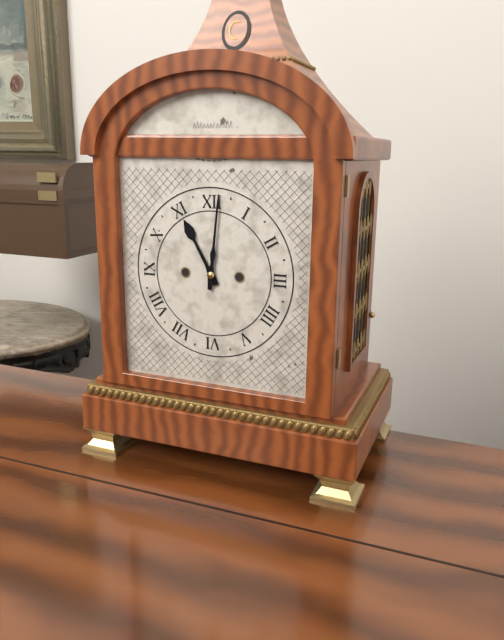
11:01
